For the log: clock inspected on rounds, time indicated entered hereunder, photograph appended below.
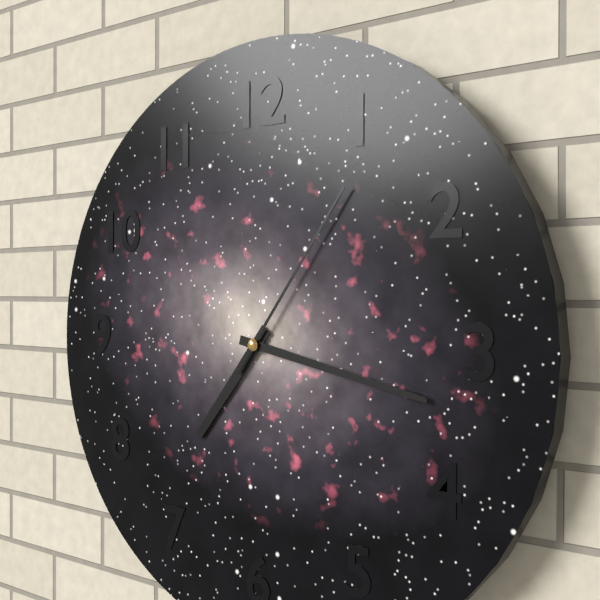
7:17:06
